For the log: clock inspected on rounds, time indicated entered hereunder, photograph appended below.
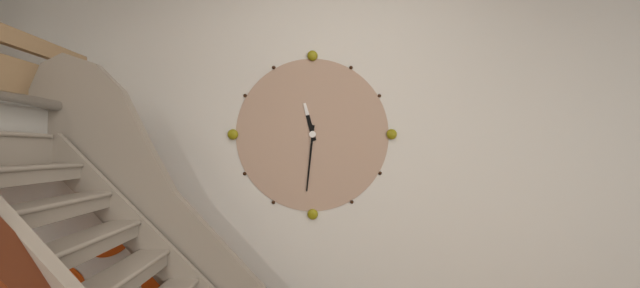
11:31
